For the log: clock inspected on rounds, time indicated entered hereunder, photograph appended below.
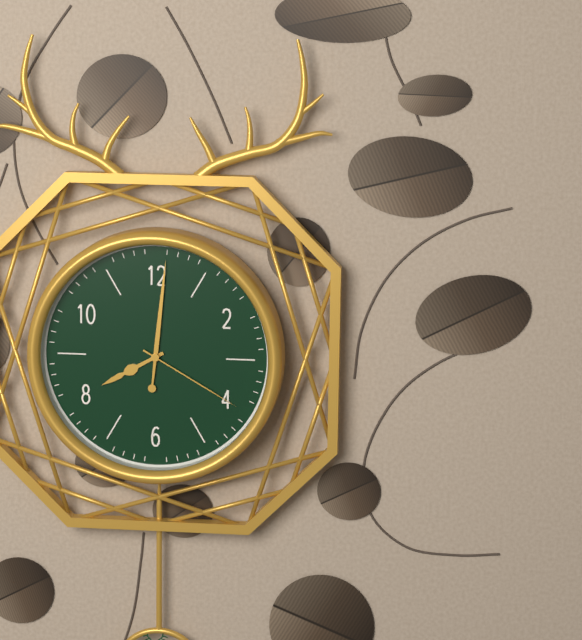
8:01:20
